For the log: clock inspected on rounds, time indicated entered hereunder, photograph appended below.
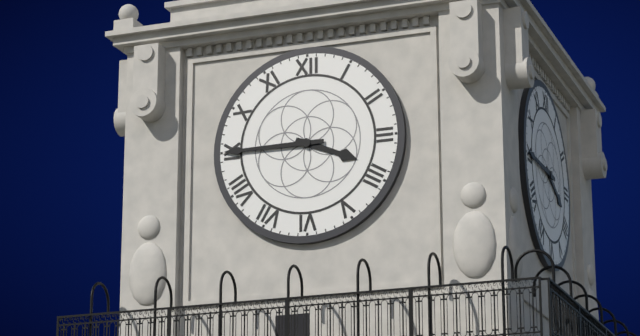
3:45
